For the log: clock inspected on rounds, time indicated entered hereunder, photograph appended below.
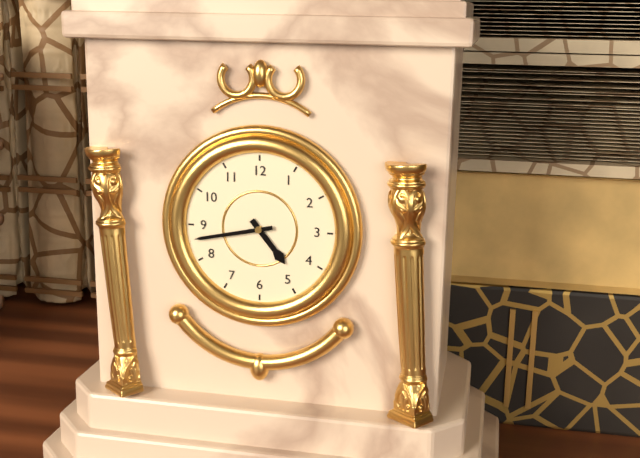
4:43
